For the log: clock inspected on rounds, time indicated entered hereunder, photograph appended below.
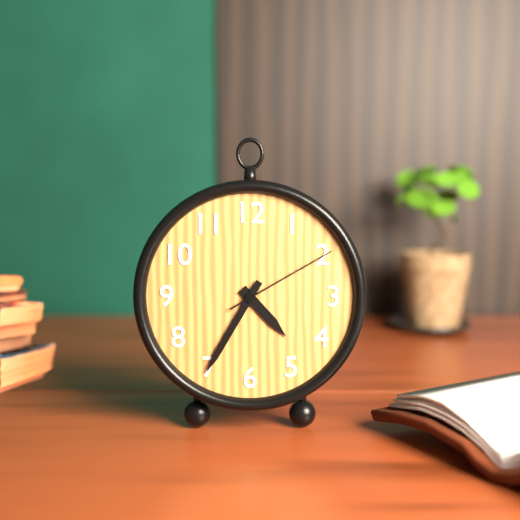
4:35:10
